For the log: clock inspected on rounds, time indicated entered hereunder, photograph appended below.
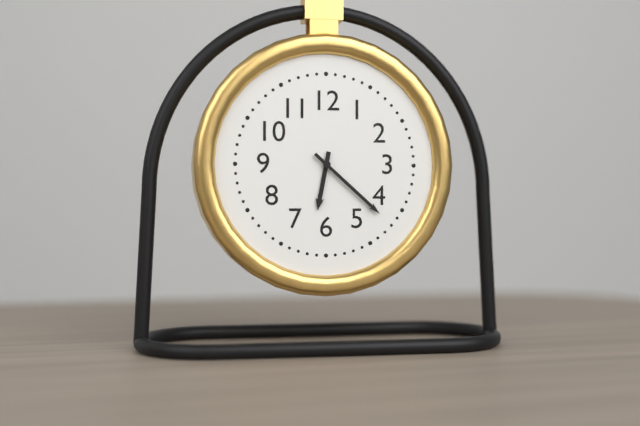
6:22
